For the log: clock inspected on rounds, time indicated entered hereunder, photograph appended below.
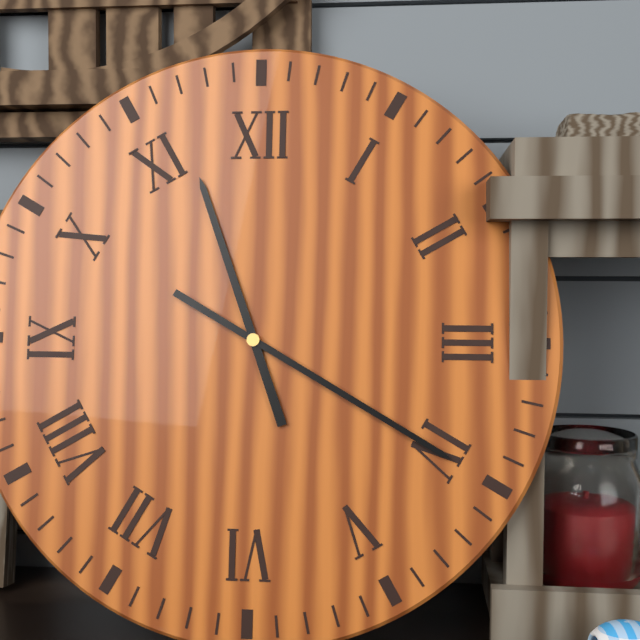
11:20
